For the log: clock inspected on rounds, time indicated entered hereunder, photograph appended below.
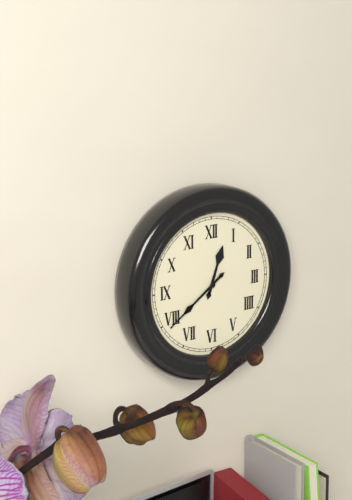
12:39
